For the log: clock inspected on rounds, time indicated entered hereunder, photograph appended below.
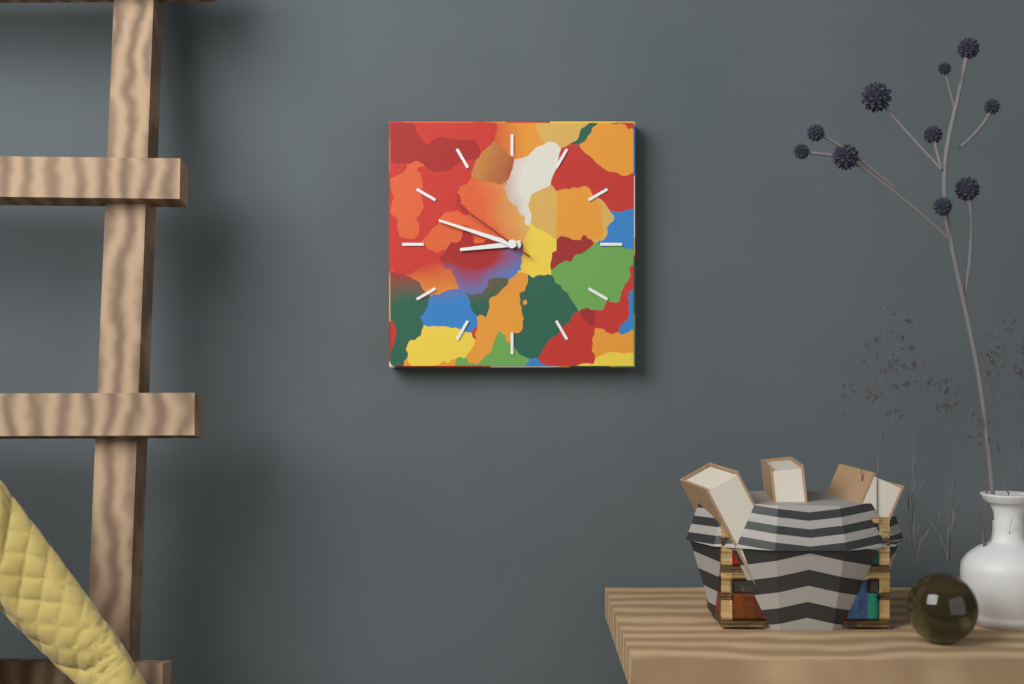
8:48:51
